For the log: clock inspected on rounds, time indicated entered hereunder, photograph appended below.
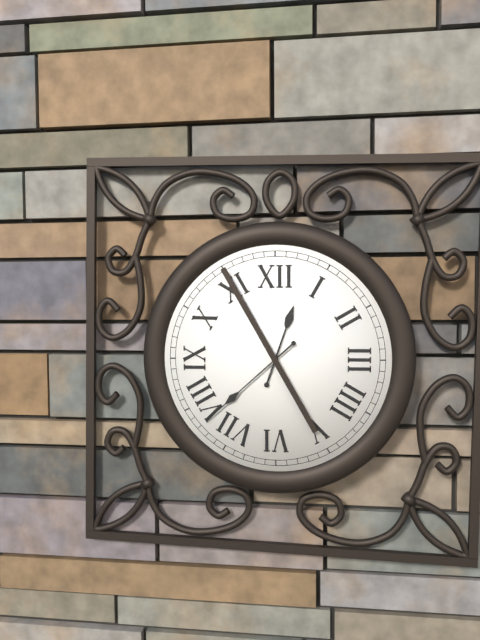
12:38
